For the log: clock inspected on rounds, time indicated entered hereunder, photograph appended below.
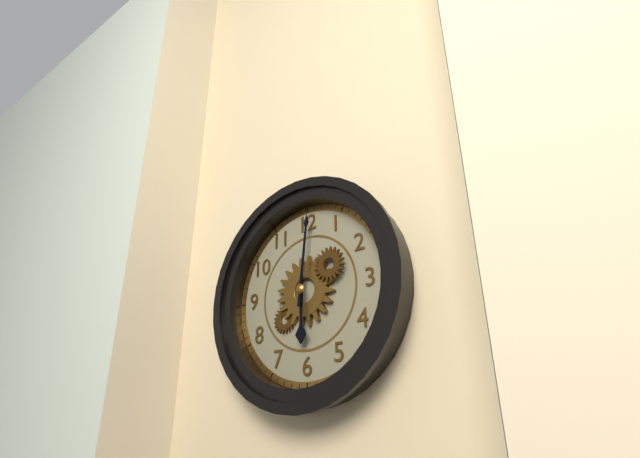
6:01
